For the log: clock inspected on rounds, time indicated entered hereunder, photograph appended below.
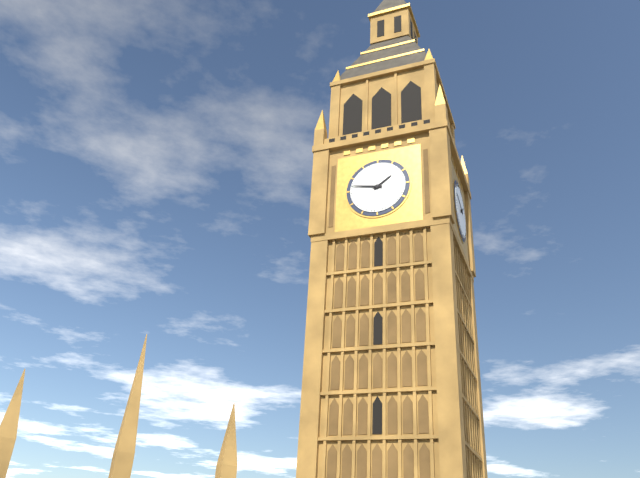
1:47
